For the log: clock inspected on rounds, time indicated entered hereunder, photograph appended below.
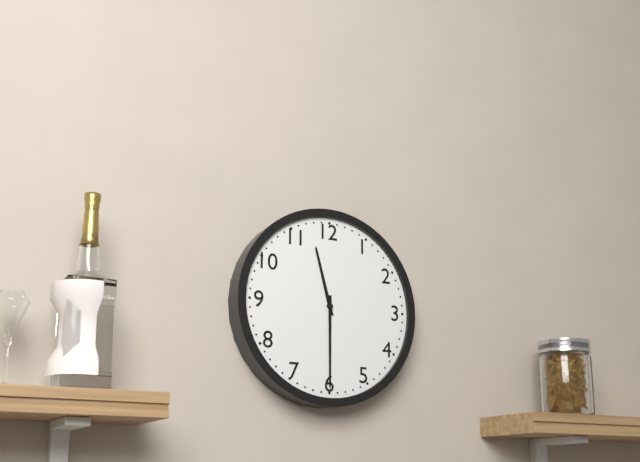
11:30
